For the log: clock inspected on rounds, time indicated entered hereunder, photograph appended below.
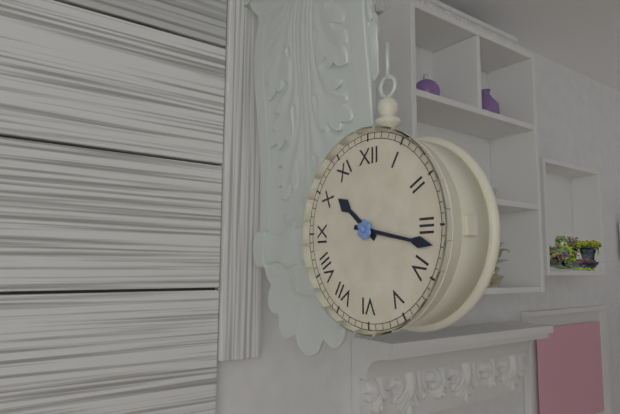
10:17
